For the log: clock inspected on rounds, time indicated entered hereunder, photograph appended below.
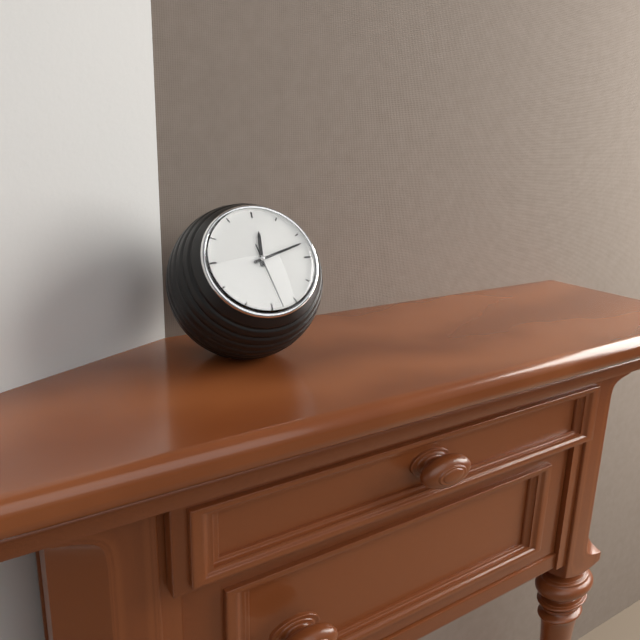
12:12:28
